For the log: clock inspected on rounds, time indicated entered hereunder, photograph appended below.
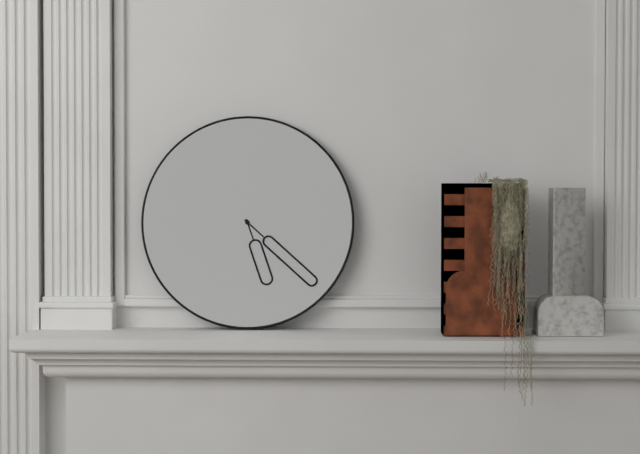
5:22
